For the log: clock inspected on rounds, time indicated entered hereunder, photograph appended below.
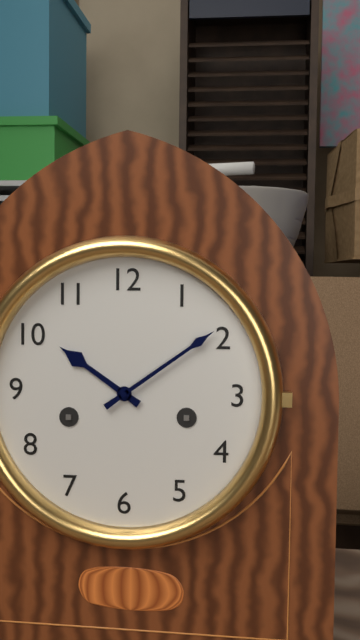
10:09
